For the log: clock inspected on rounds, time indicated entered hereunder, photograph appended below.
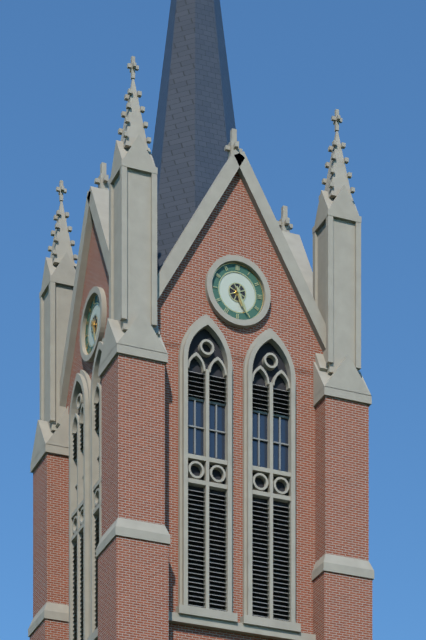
5:26
